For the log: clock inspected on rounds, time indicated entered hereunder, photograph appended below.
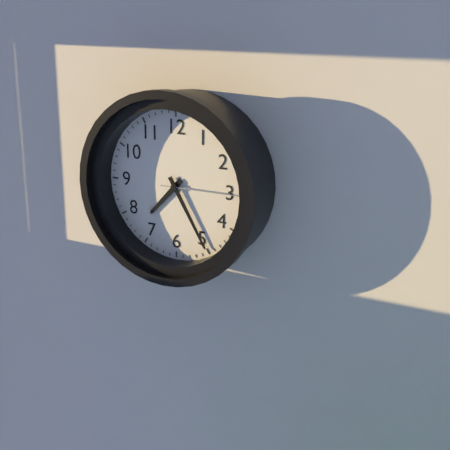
7:25:15
